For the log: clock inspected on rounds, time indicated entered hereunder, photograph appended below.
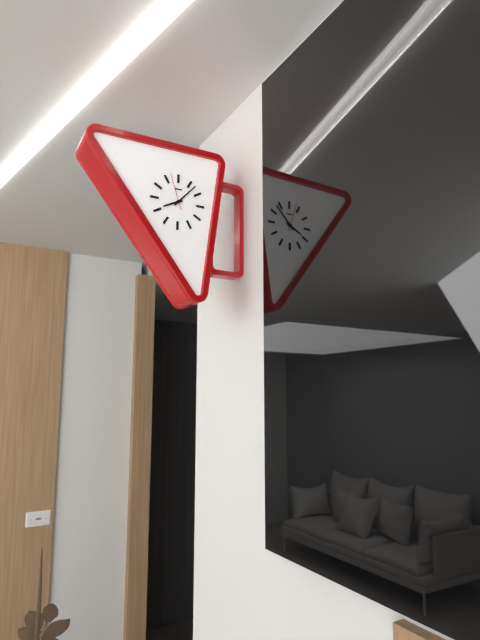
8:07
